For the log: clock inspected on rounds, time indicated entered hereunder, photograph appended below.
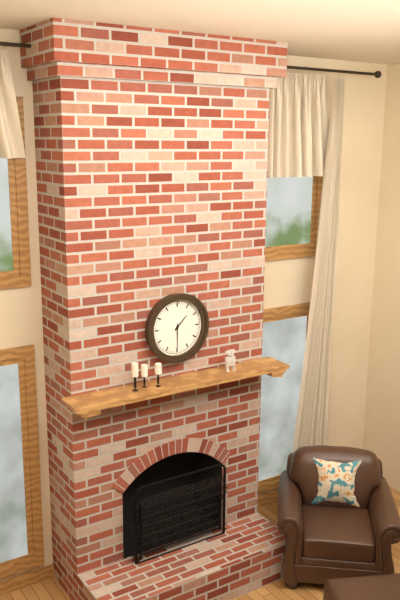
1:30
